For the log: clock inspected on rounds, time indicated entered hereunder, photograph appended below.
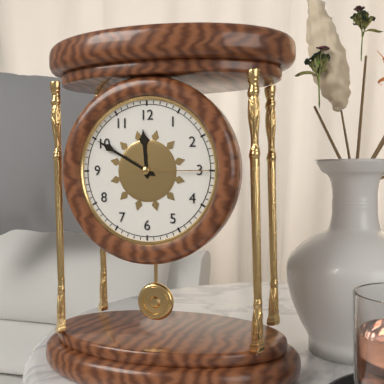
11:50:15
